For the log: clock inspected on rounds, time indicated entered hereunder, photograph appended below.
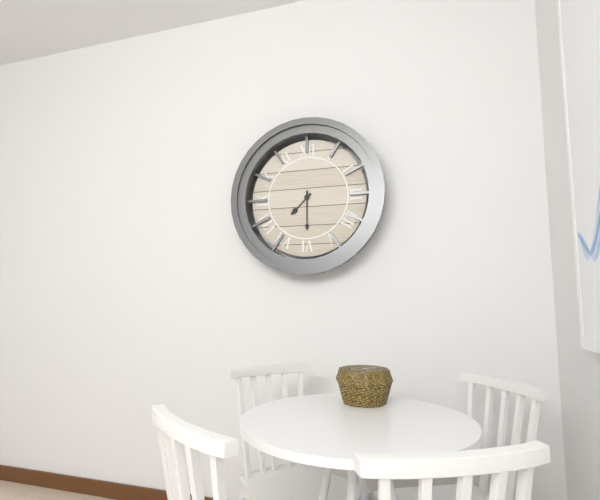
7:30
